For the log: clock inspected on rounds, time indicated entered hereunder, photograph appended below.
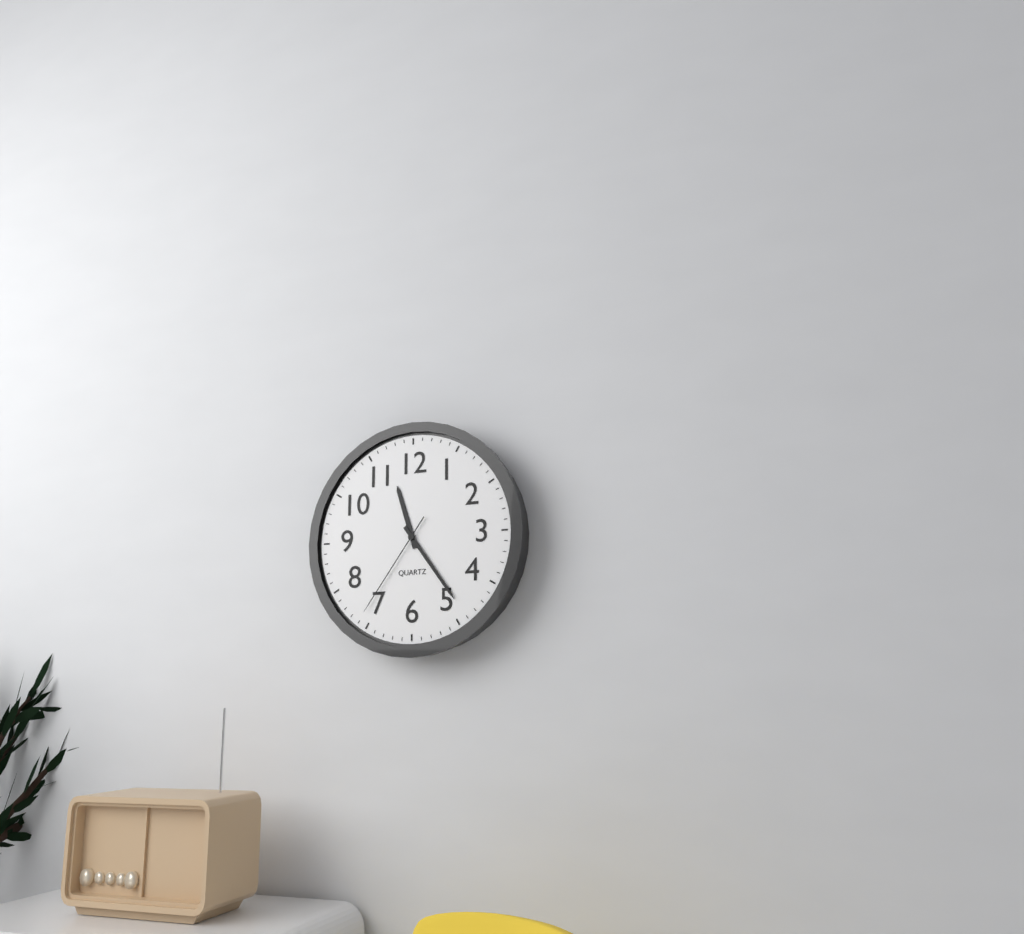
11:24:36
